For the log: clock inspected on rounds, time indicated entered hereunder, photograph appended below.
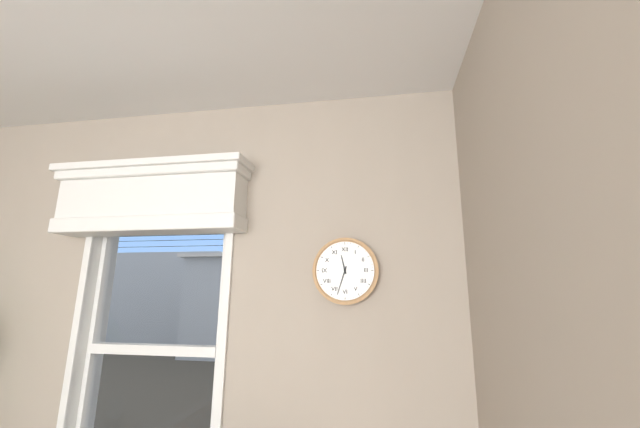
11:33
